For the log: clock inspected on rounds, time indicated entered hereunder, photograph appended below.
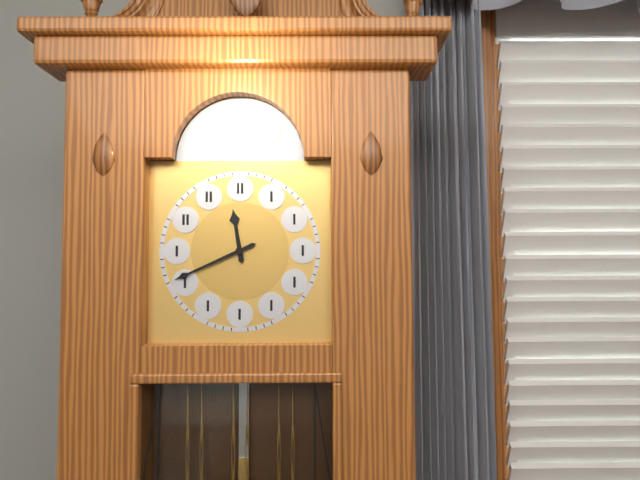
11:41
